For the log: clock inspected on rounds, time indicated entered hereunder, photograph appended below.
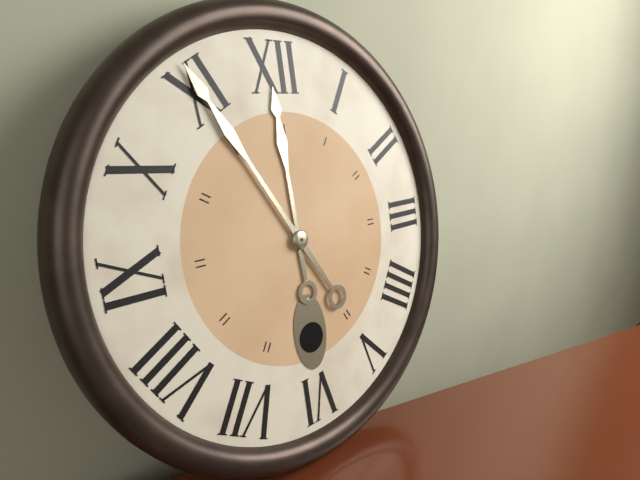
11:55
